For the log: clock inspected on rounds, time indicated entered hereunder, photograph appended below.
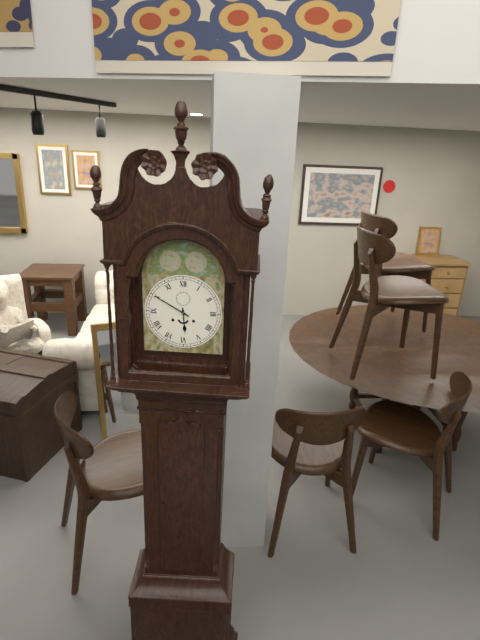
5:50
